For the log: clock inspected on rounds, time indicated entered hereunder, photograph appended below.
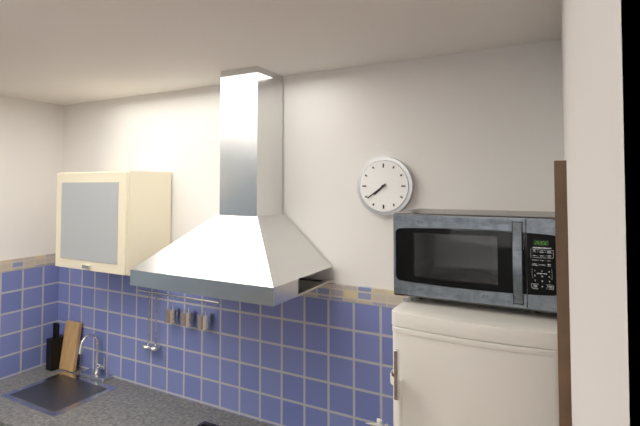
7:39
